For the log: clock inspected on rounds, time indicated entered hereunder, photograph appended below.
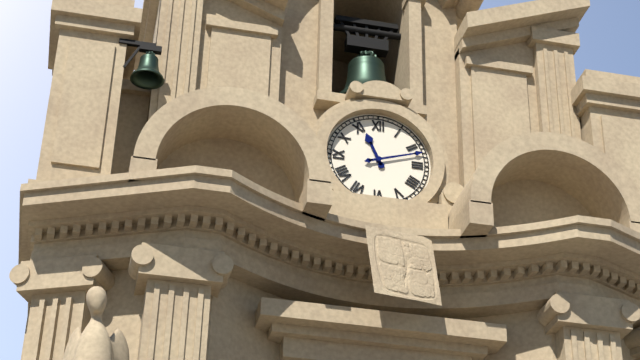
11:12
